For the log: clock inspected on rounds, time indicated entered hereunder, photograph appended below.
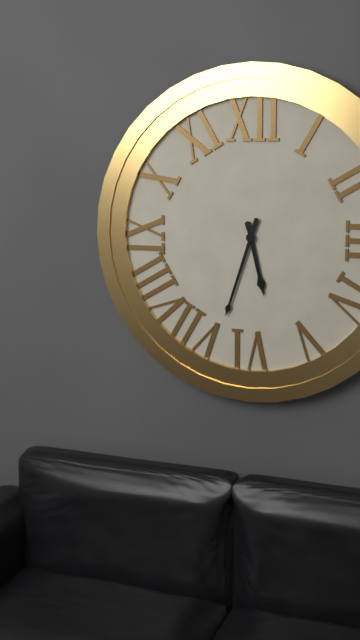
5:33
